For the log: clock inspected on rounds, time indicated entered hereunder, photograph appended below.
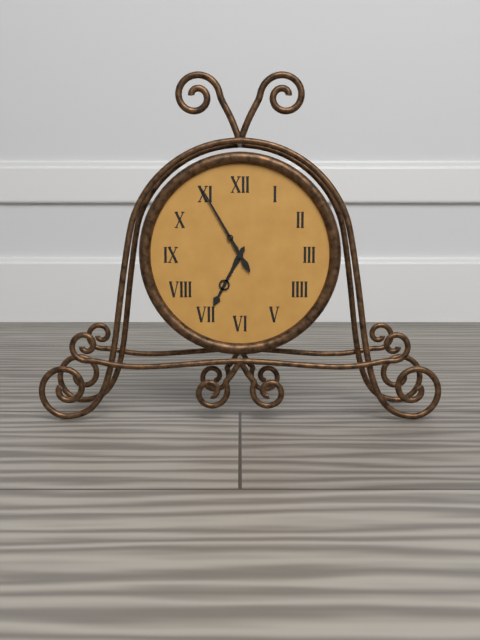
6:55
